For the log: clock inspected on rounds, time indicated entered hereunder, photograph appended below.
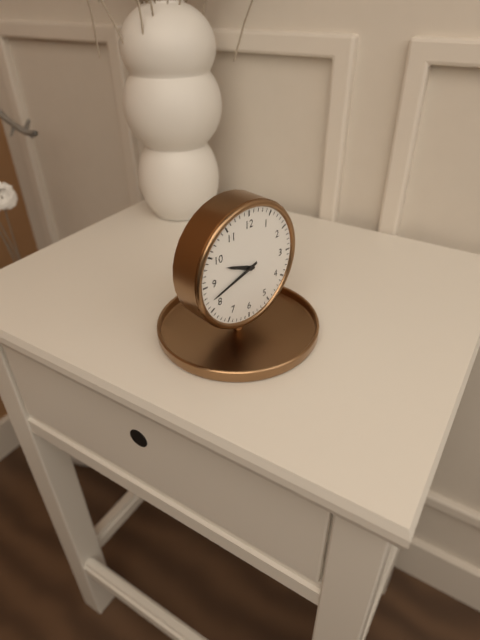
9:42
